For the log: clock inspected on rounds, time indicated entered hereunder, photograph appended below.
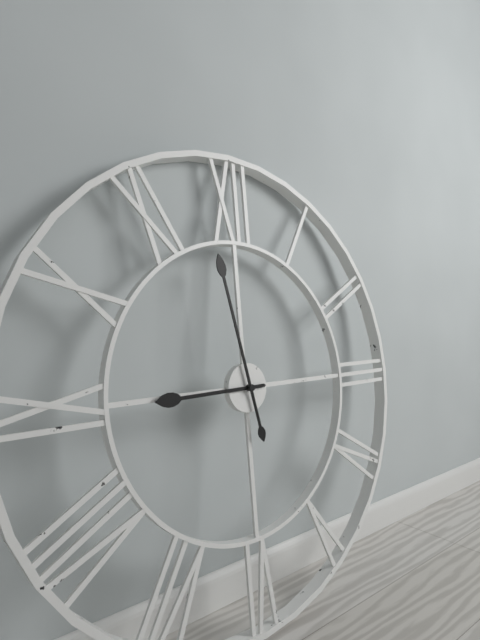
8:58
